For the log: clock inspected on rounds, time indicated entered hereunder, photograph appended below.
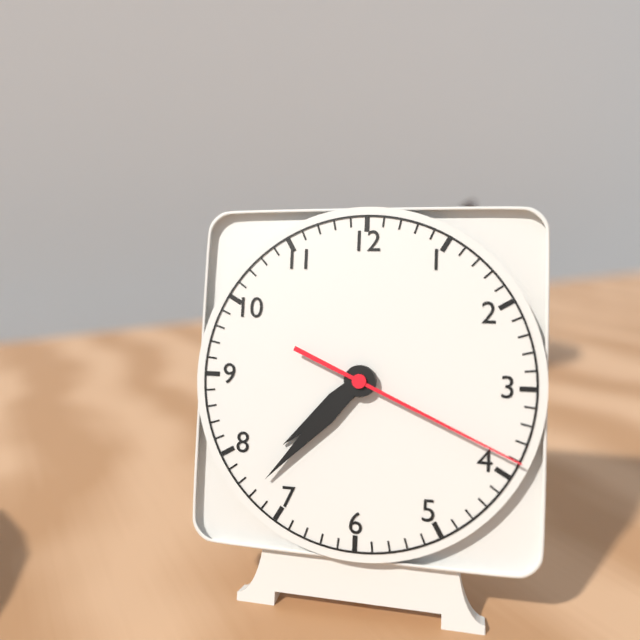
7:37:19
